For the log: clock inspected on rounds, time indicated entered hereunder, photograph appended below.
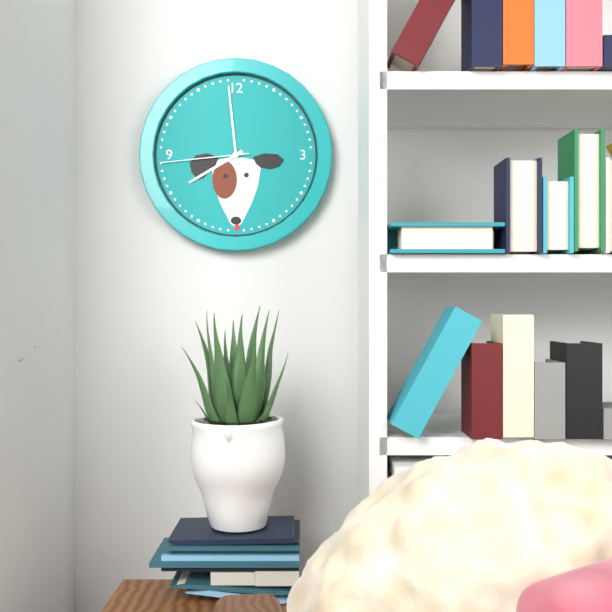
7:59:44
